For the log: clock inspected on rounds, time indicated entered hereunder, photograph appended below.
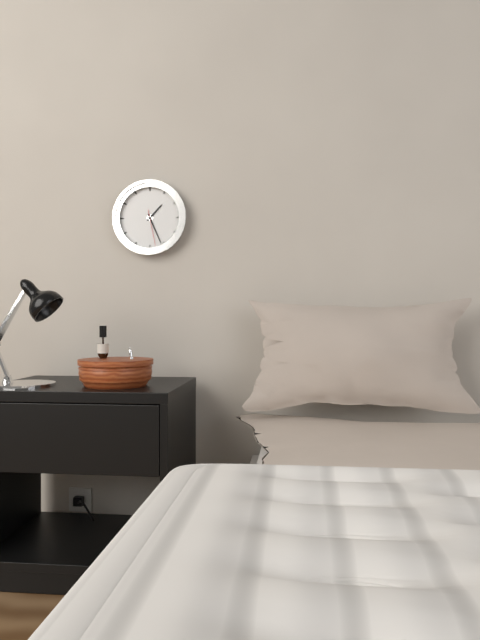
1:26
